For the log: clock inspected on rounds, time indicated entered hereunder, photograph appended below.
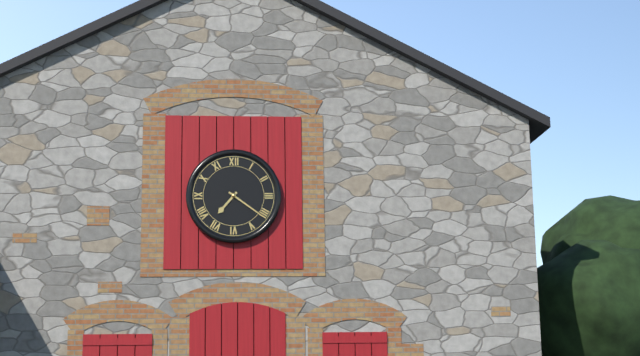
7:21
